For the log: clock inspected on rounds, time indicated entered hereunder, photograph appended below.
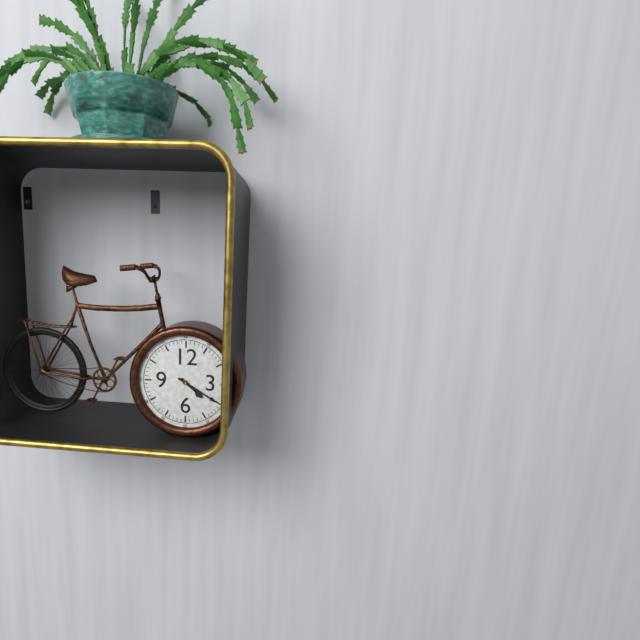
4:20
